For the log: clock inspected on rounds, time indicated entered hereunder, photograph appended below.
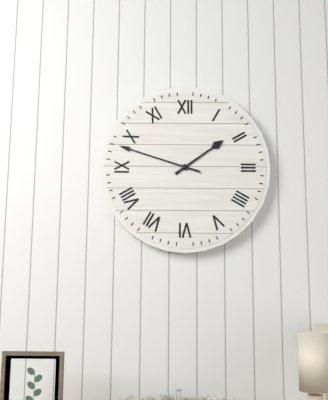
1:48
